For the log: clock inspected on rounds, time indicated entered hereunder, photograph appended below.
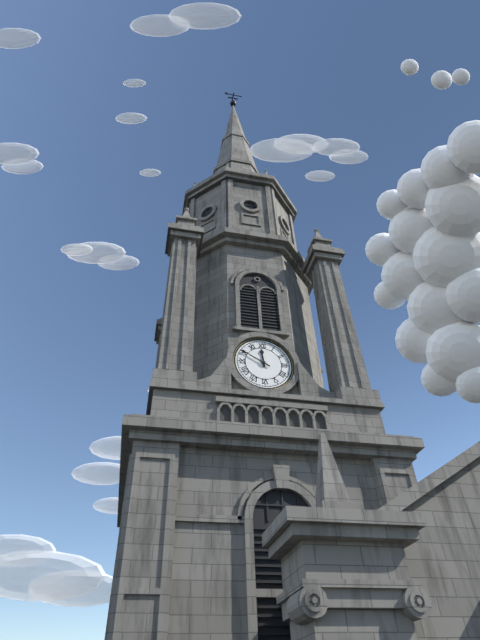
11:50
